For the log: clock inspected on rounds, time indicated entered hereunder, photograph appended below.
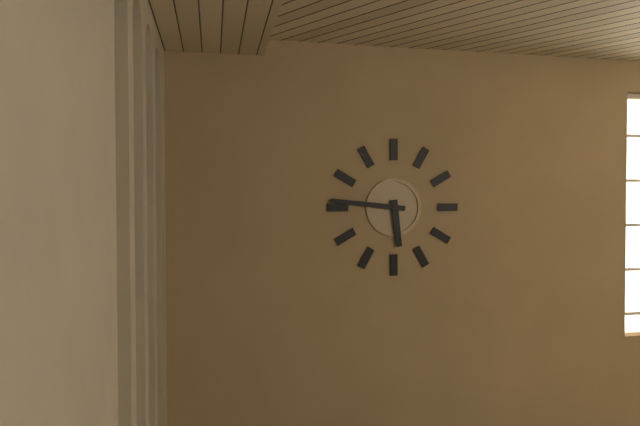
5:46
